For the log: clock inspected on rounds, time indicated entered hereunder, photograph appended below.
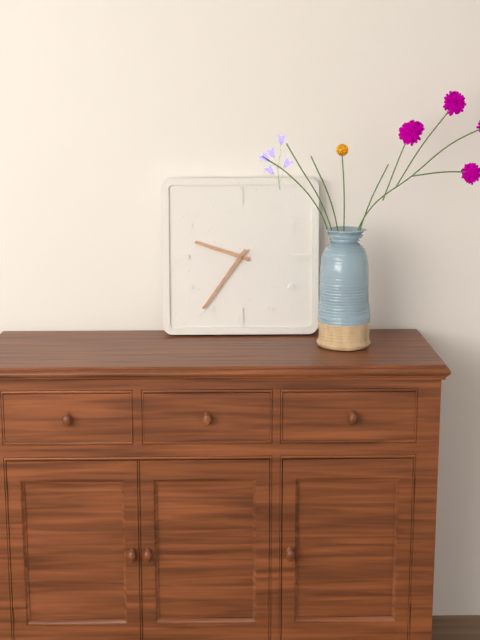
9:36
